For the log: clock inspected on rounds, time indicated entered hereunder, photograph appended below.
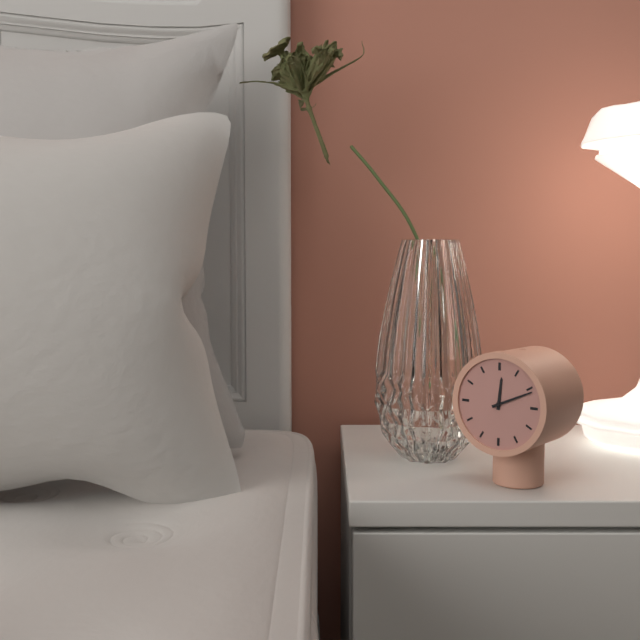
12:11
